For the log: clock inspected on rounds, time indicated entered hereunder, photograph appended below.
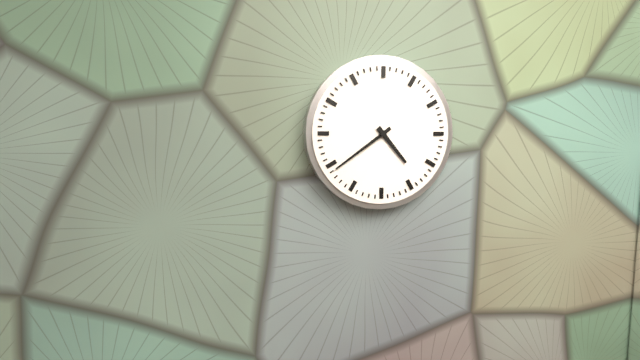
4:39
